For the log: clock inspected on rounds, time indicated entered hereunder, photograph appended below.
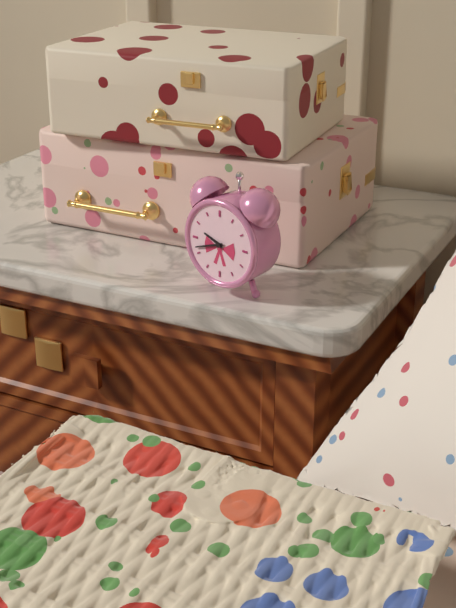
9:42
